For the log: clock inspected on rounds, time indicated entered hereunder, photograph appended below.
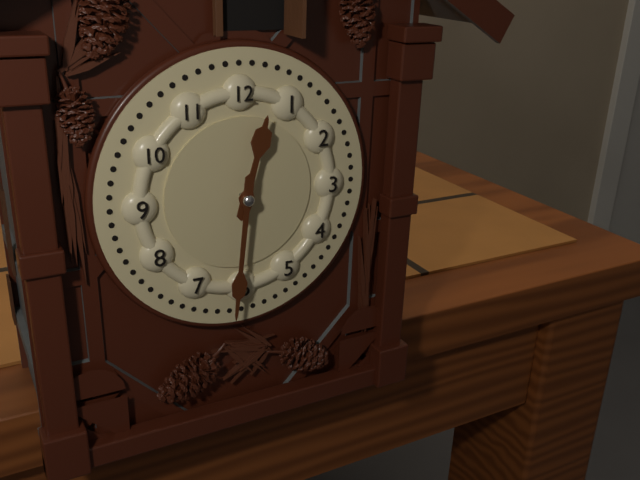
12:31
